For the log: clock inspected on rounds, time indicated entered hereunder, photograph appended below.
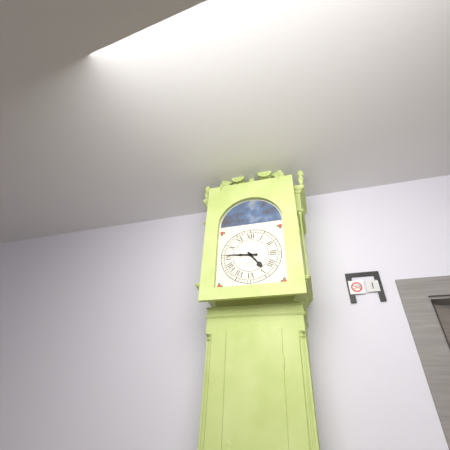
4:46
